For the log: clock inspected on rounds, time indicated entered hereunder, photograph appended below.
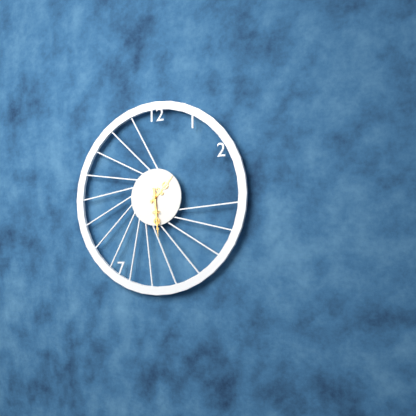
1:29
